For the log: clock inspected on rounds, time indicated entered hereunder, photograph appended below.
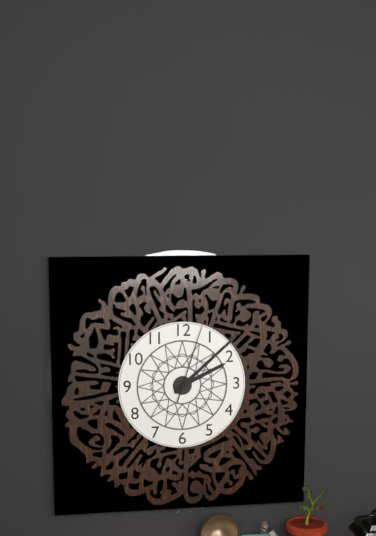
2:08:03
